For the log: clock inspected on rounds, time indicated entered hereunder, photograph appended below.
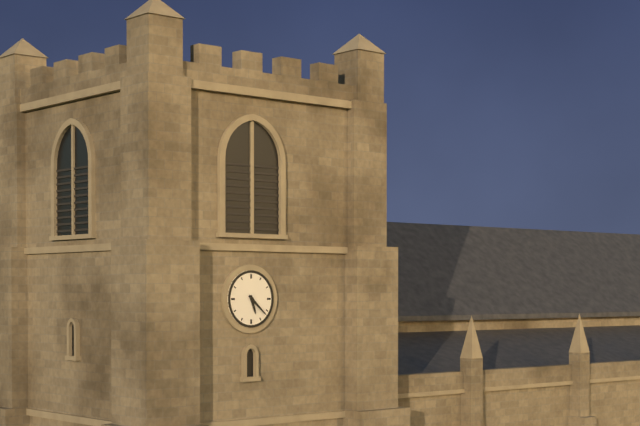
5:22
